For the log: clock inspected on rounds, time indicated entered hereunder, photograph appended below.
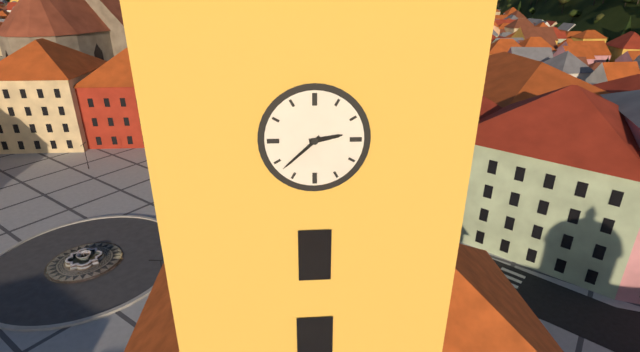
2:38
